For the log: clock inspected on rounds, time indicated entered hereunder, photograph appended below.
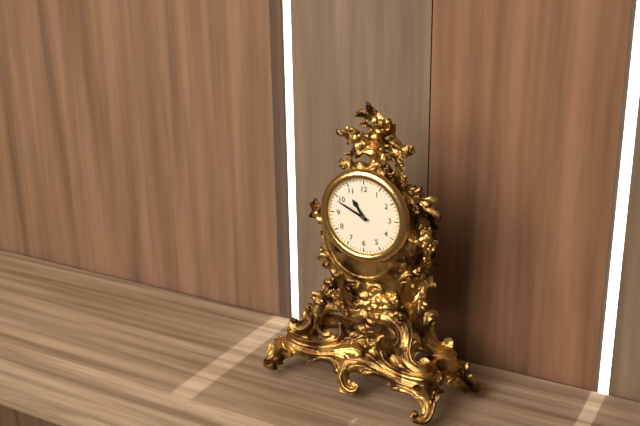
10:49
